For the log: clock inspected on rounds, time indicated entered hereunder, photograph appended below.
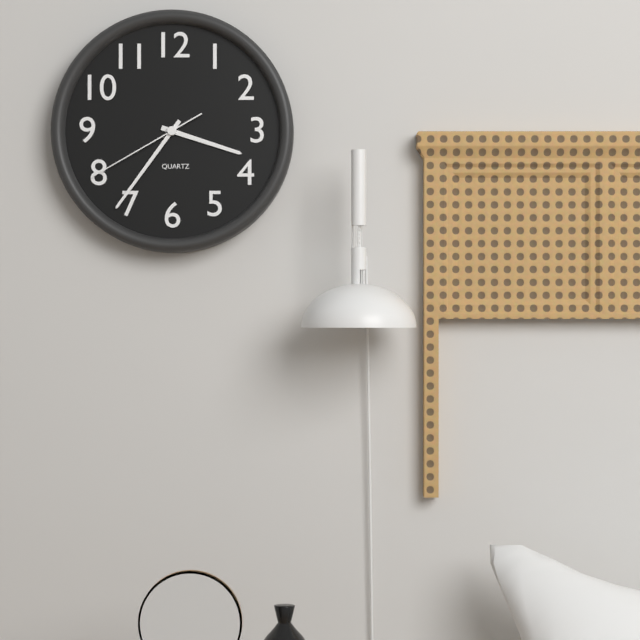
3:36:40
